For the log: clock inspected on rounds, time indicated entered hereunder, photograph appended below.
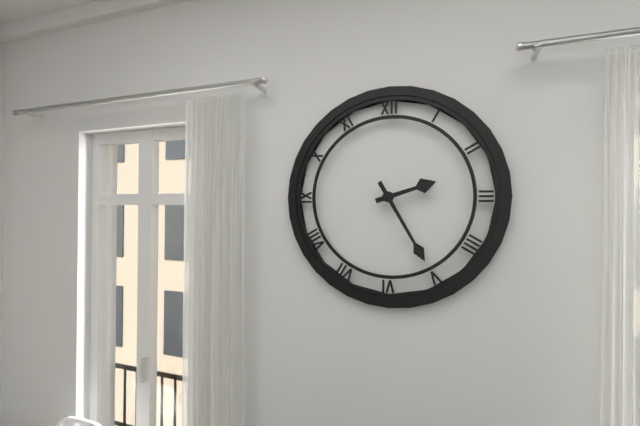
2:25
